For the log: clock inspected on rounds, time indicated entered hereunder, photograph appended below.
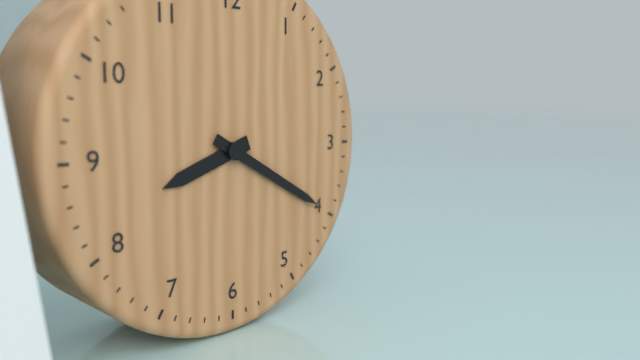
8:20
